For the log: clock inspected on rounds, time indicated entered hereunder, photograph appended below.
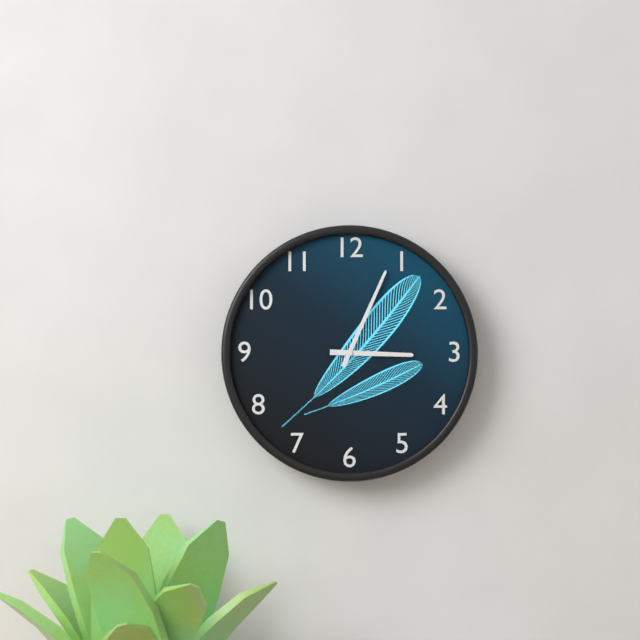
3:04
